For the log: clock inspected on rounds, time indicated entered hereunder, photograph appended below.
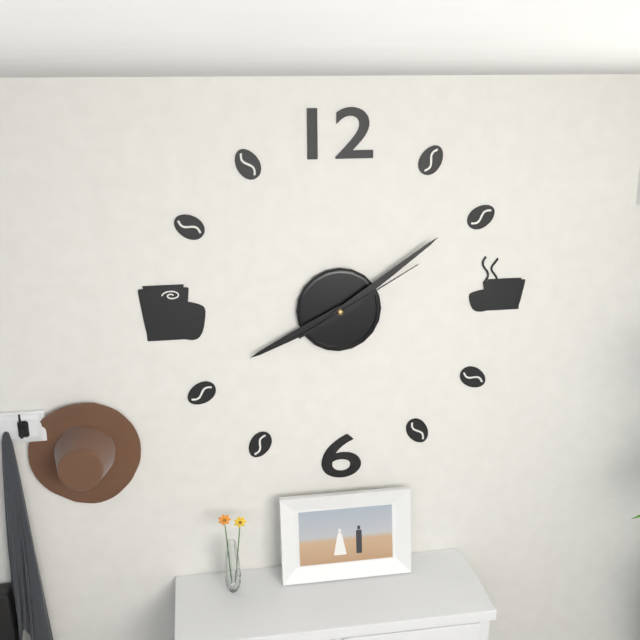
8:09:10
